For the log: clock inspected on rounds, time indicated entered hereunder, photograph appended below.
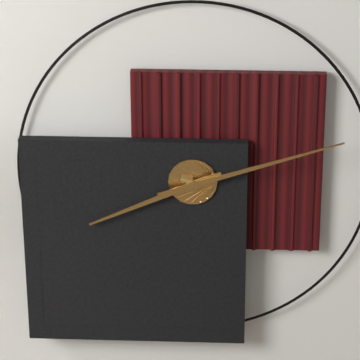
8:12
